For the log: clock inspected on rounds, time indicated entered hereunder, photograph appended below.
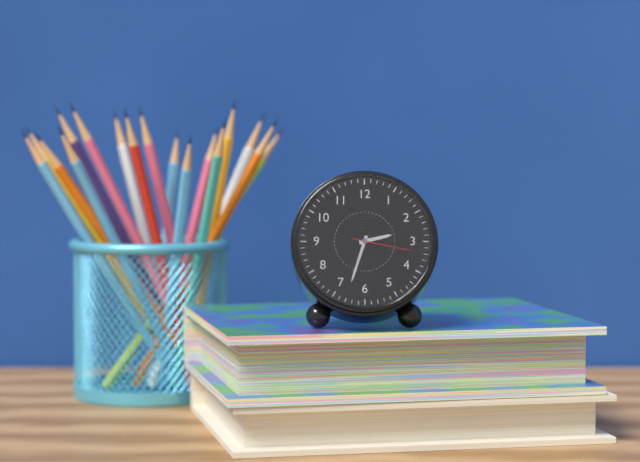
2:33:17
